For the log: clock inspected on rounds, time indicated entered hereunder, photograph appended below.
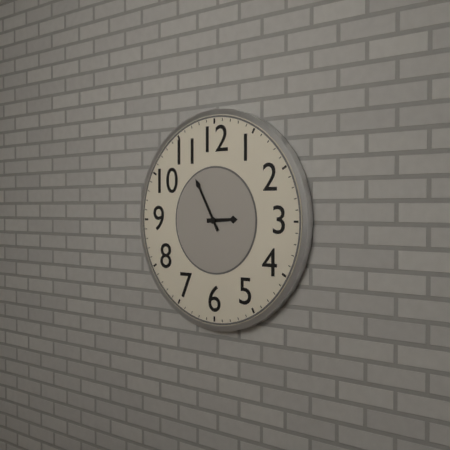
2:55
